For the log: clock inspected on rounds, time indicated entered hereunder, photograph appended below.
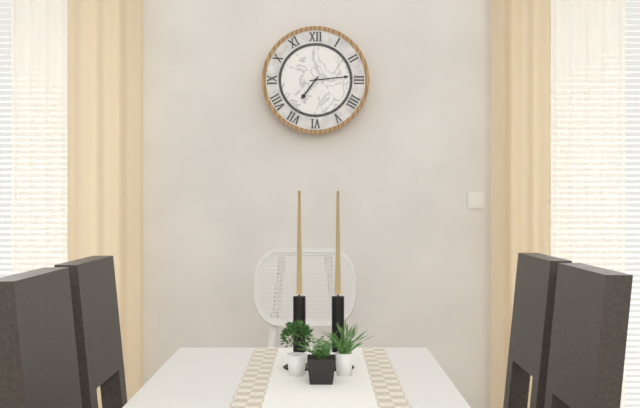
7:14
